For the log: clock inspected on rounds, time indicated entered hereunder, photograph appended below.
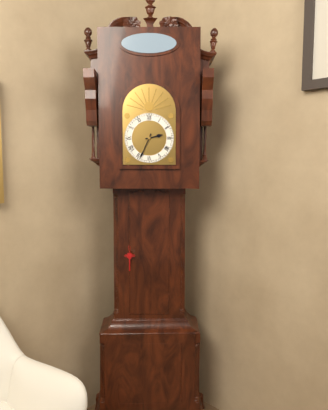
2:34
